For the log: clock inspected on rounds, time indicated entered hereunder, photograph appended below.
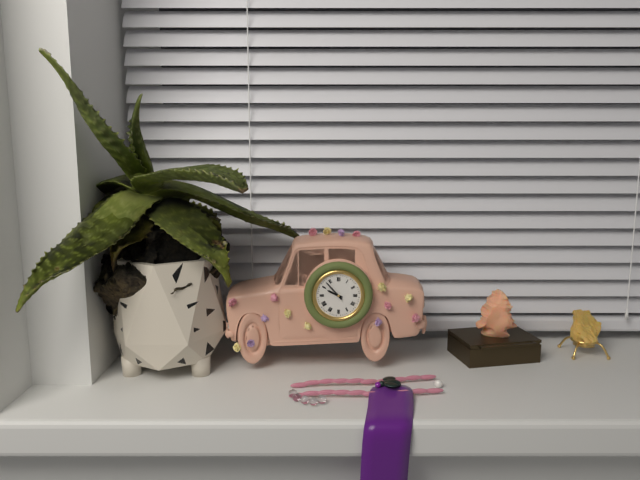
9:53
